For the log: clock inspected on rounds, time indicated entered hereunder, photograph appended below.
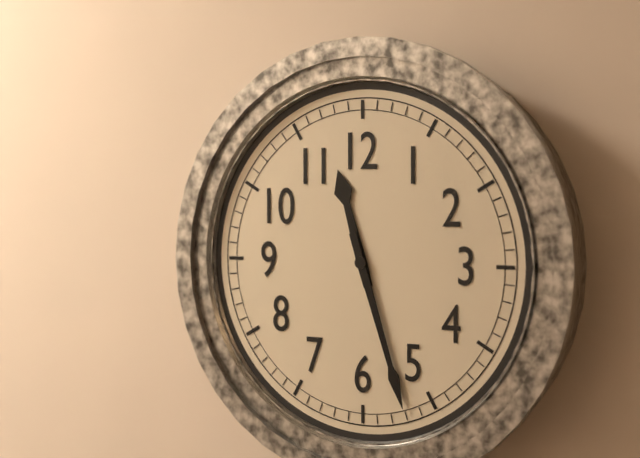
11:27
